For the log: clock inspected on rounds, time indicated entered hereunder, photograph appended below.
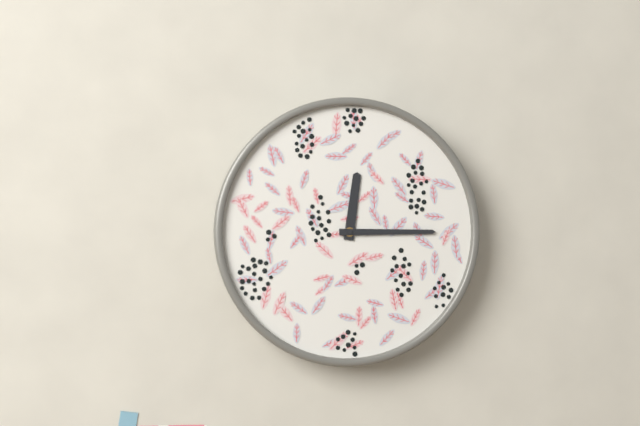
12:15
